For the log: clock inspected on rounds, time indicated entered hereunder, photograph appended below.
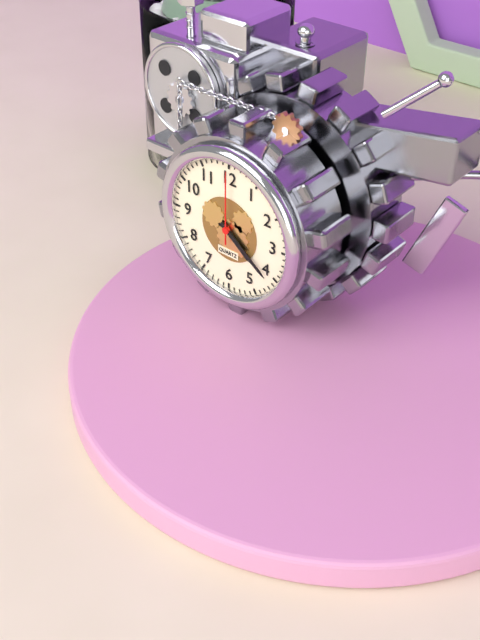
4:21:00
